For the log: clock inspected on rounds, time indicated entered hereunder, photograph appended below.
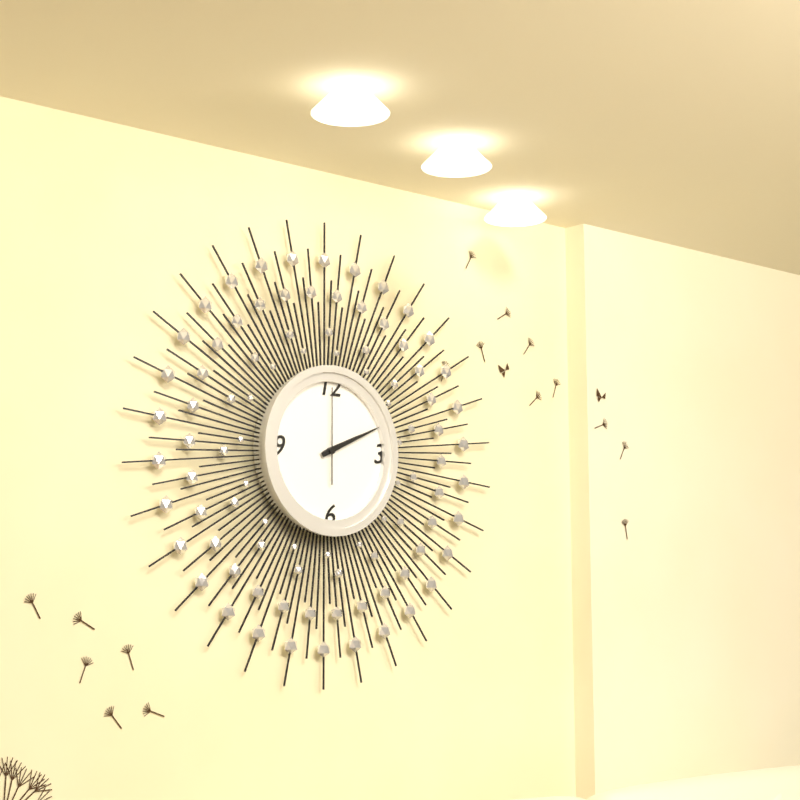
2:11:00
